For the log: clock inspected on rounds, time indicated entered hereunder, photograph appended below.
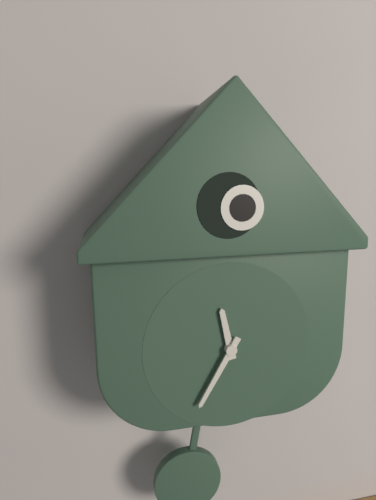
11:35
